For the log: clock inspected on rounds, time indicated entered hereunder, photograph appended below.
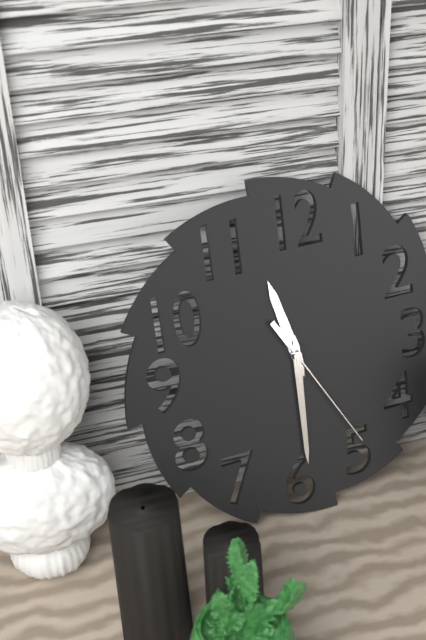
11:30:25
